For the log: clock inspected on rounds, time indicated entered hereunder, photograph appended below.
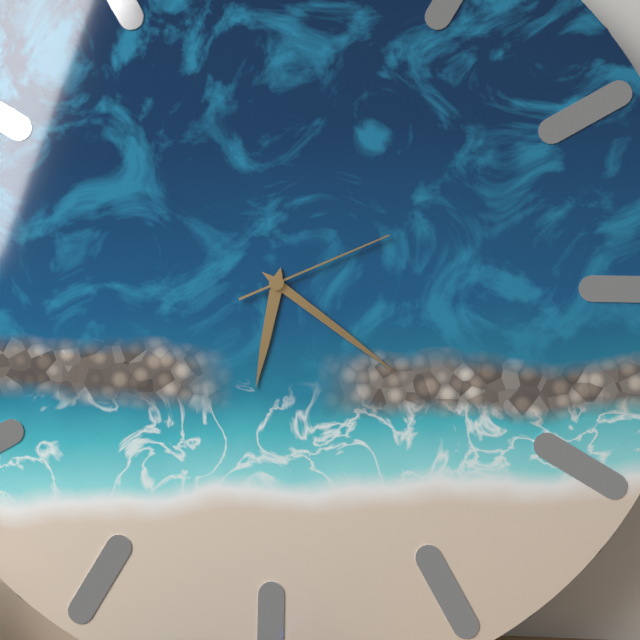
6:21:11
